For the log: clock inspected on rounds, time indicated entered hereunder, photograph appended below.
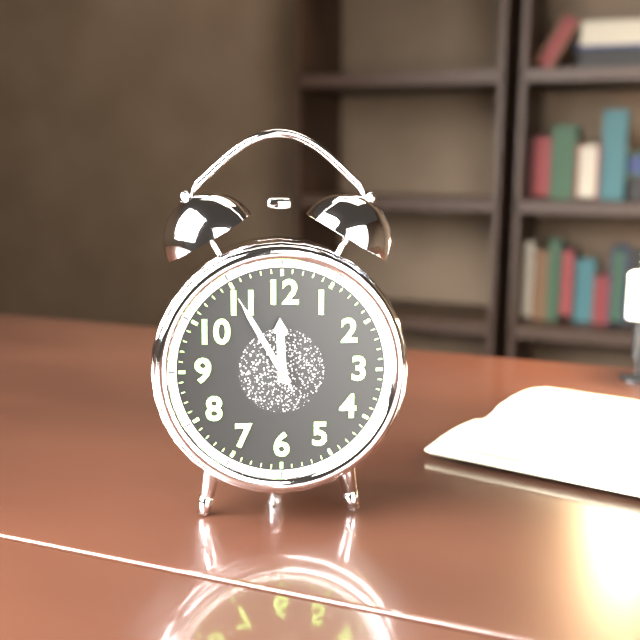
11:55:55
